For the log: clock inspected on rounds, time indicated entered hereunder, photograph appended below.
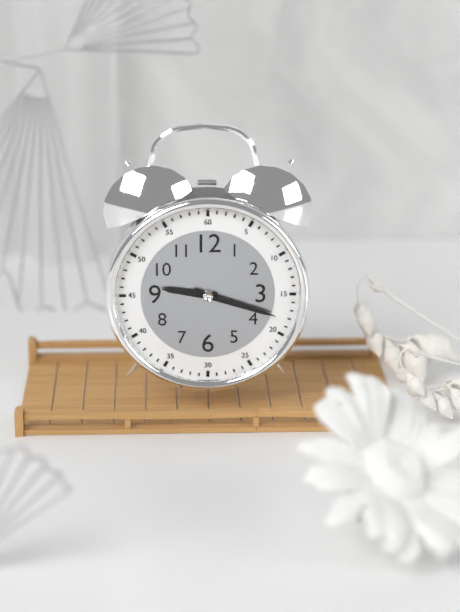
9:18
